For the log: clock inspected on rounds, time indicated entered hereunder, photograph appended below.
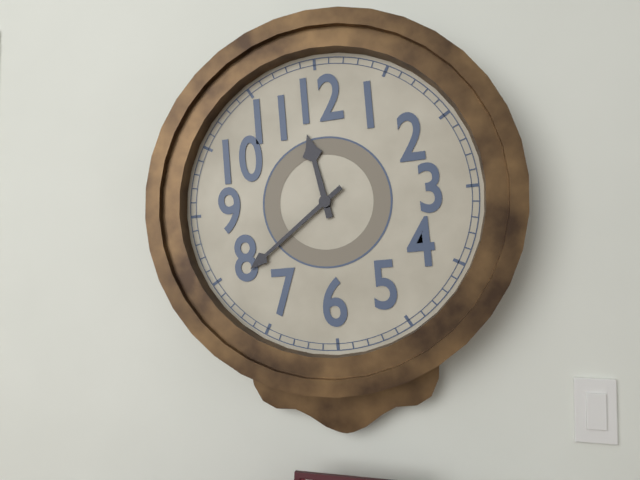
11:39
